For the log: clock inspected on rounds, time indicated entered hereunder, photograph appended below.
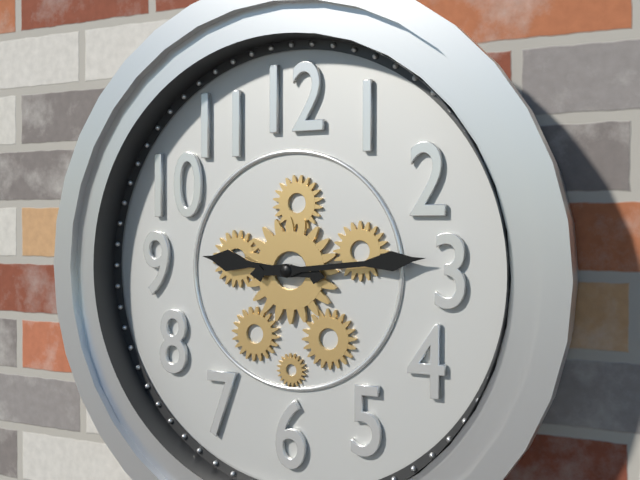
9:14
